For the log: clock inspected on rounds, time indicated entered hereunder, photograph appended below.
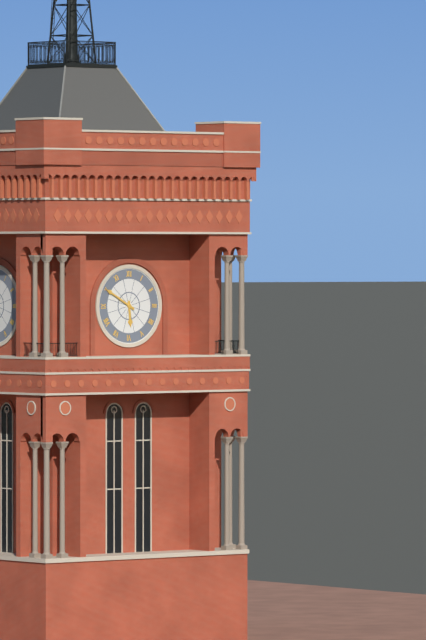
5:50
